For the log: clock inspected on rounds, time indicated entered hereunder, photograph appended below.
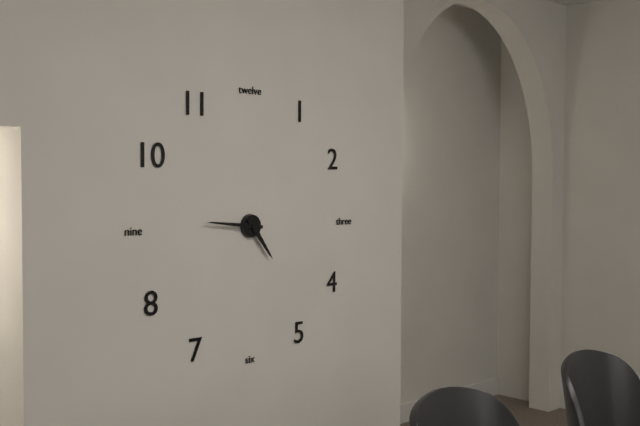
4:46
